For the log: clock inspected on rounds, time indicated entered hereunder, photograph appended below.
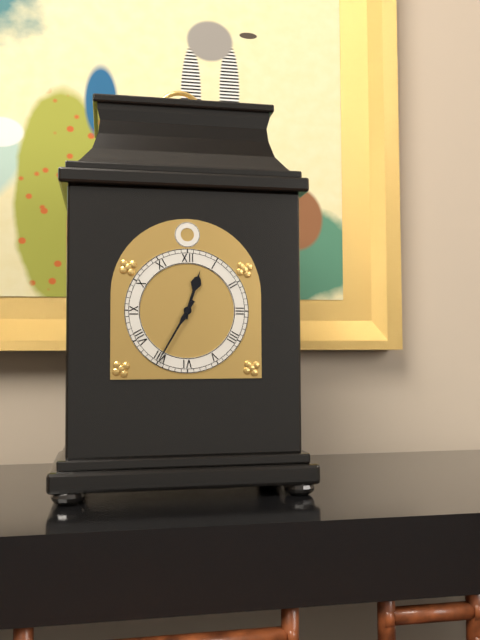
12:35
